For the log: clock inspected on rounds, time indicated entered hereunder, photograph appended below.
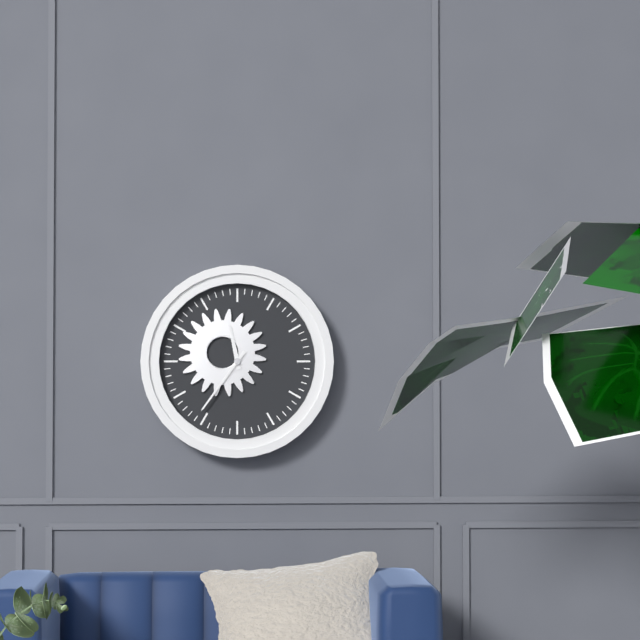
11:36
